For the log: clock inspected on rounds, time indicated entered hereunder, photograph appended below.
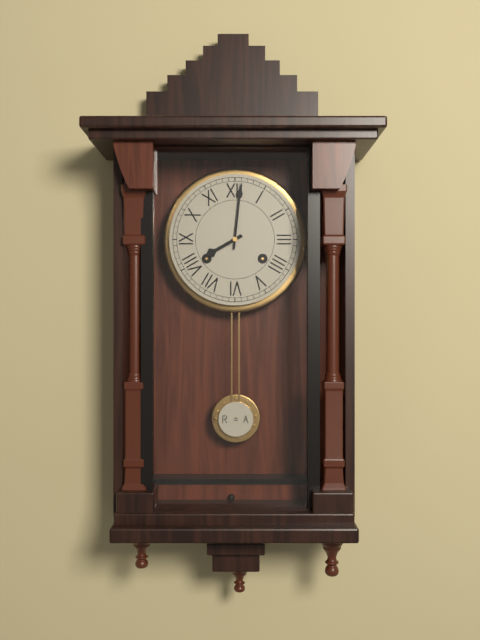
8:01
